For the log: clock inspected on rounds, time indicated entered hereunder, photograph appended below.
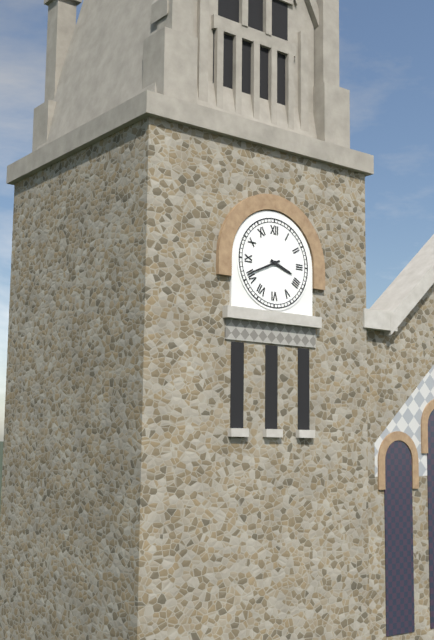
3:41
